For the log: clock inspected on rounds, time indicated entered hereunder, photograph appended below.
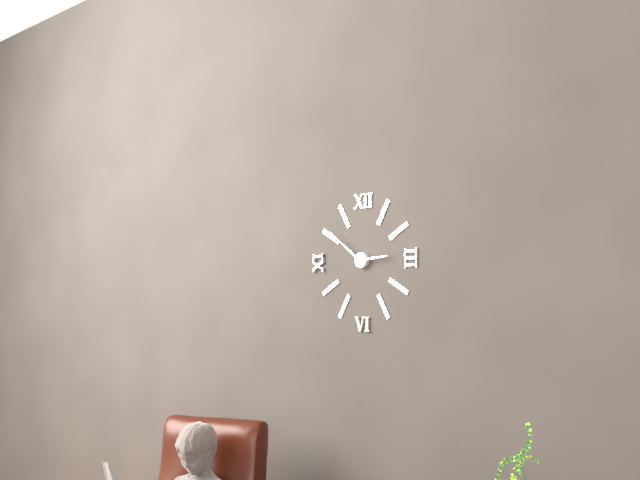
2:51
